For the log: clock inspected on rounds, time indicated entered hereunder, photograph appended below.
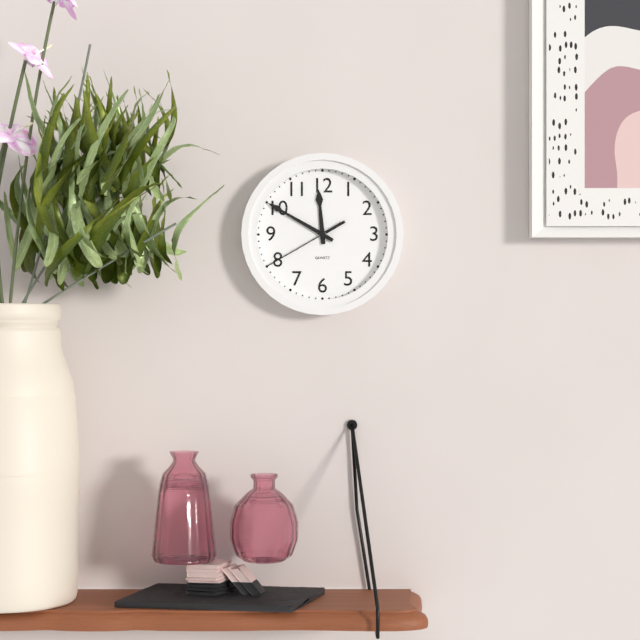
11:50:40
